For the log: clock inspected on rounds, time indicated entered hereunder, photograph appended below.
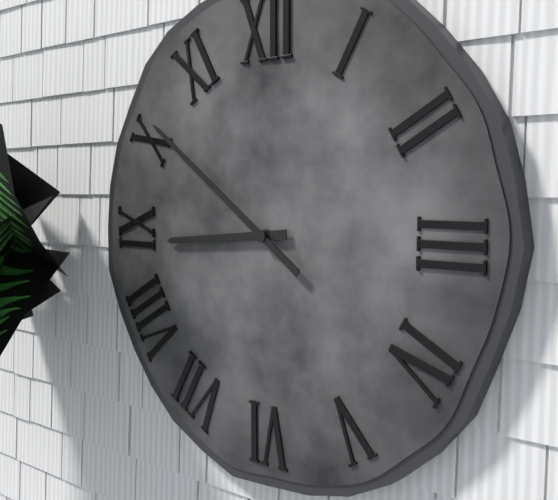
8:51
